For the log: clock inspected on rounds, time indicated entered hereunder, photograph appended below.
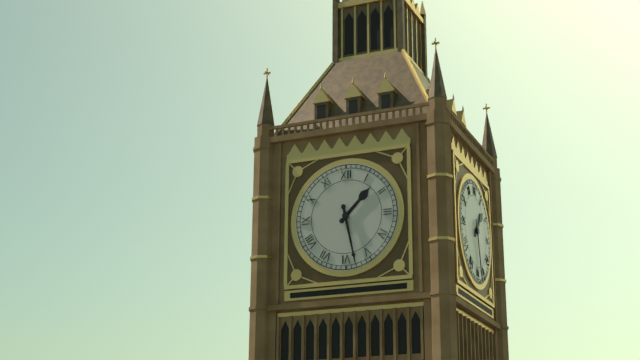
1:28
